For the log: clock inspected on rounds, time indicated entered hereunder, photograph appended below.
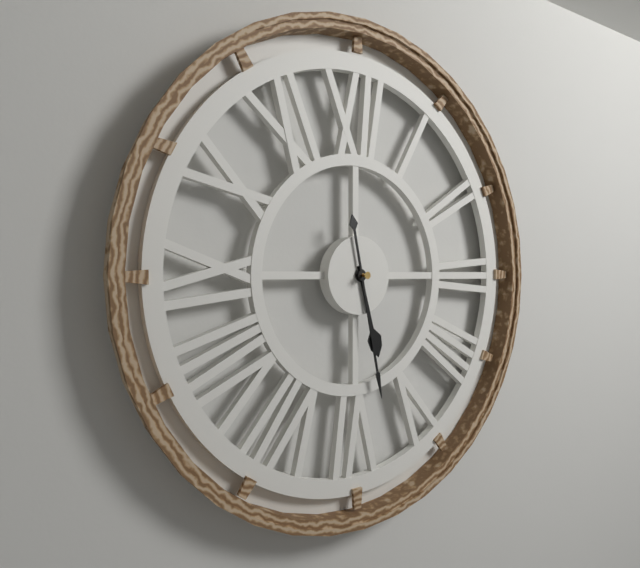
5:28
